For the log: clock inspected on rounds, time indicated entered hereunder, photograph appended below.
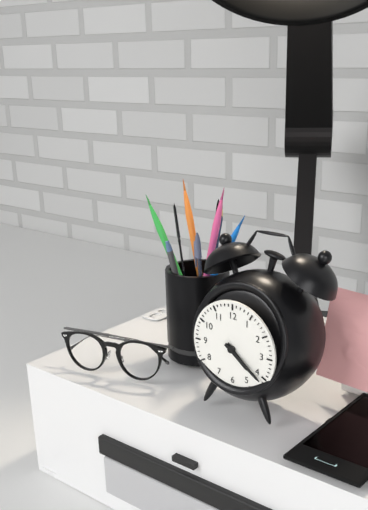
4:21
